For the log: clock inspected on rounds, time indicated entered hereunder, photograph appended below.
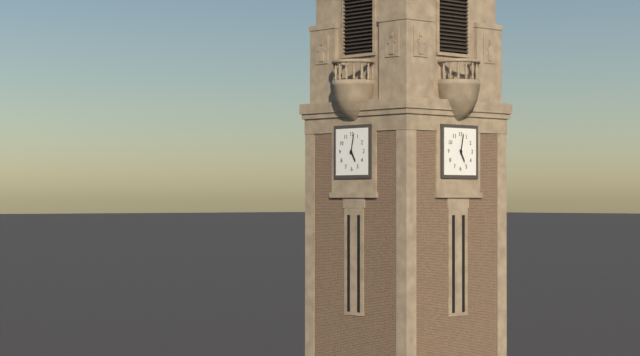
5:02
